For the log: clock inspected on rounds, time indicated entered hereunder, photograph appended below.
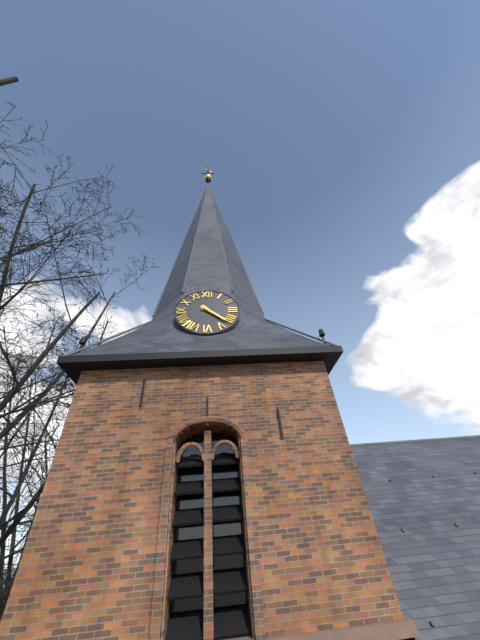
4:22
